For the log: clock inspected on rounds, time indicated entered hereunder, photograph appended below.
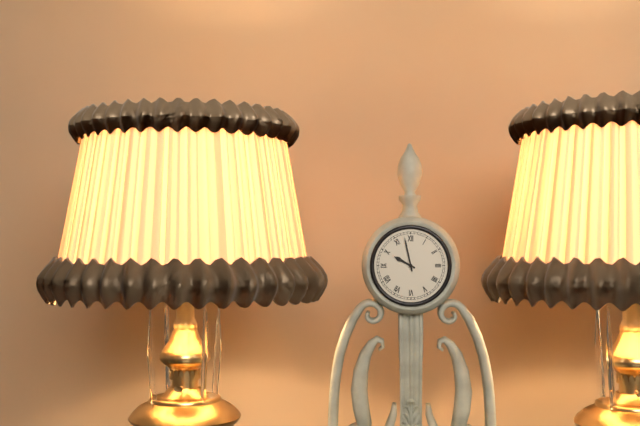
9:58
